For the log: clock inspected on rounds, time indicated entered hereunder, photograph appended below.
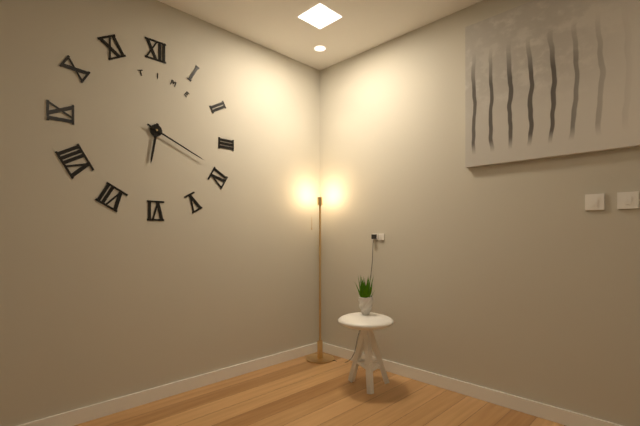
6:19
